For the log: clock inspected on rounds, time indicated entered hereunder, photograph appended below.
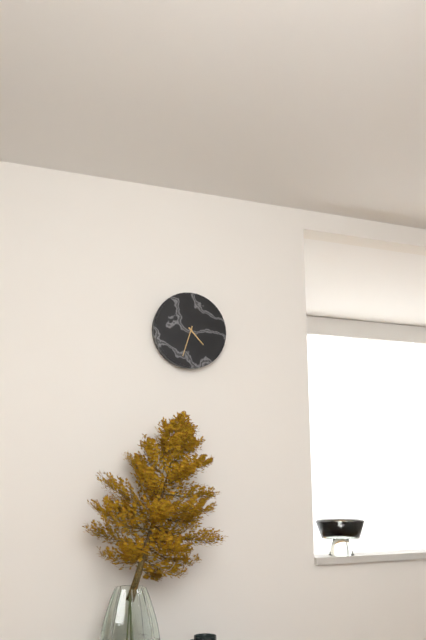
4:33
